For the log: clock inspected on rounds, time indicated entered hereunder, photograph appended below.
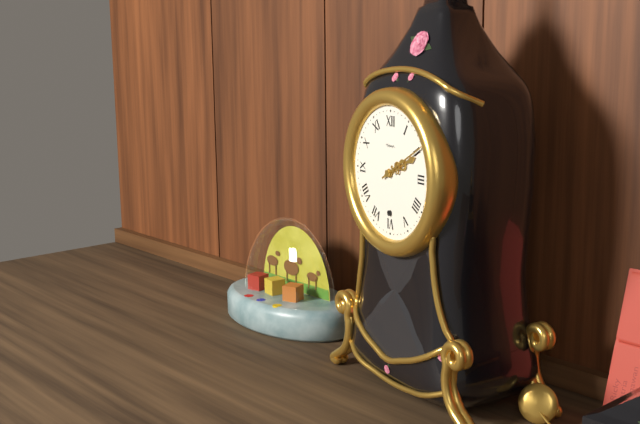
2:10
